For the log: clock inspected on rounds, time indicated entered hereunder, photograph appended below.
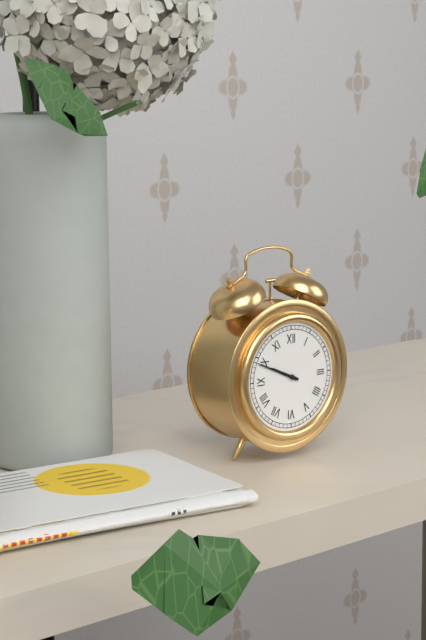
9:49
